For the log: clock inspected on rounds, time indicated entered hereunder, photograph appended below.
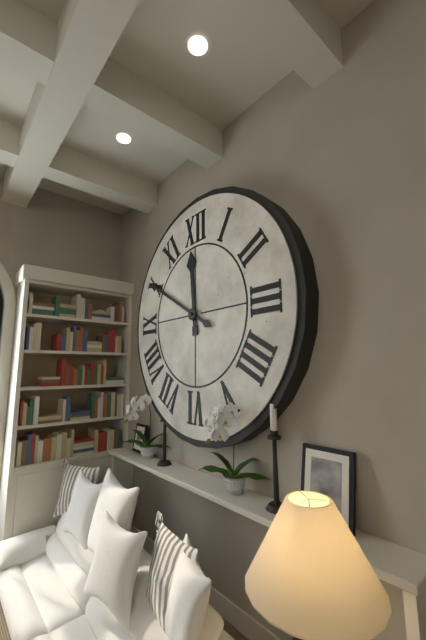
11:50
